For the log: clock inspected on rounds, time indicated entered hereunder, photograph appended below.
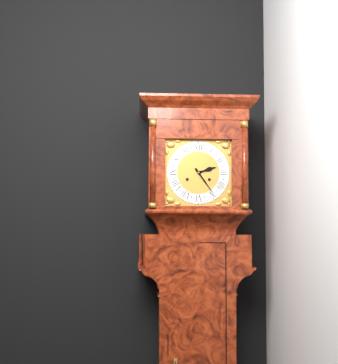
2:24
